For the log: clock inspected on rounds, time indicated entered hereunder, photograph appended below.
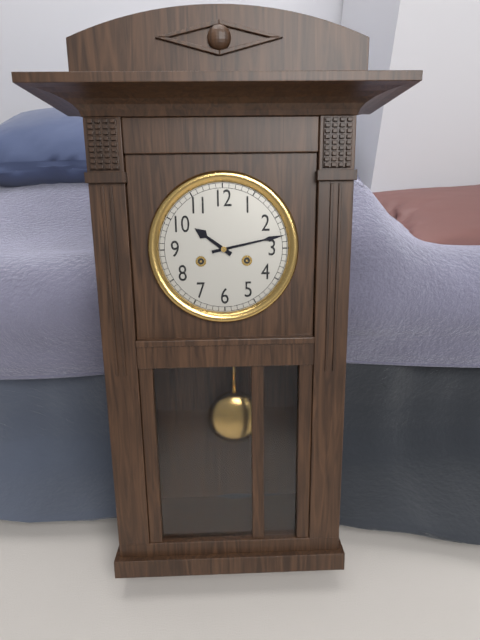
10:13
